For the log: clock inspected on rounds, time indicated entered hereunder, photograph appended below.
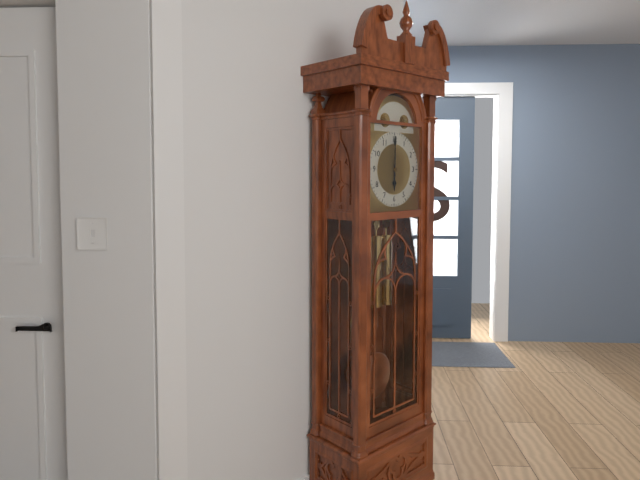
6:00
